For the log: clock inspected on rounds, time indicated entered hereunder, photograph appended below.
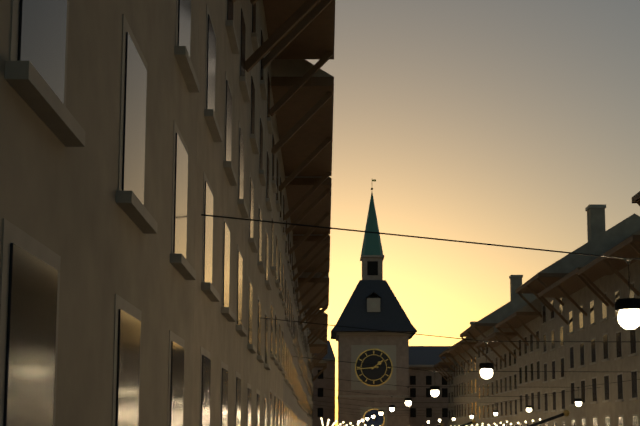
1:44
